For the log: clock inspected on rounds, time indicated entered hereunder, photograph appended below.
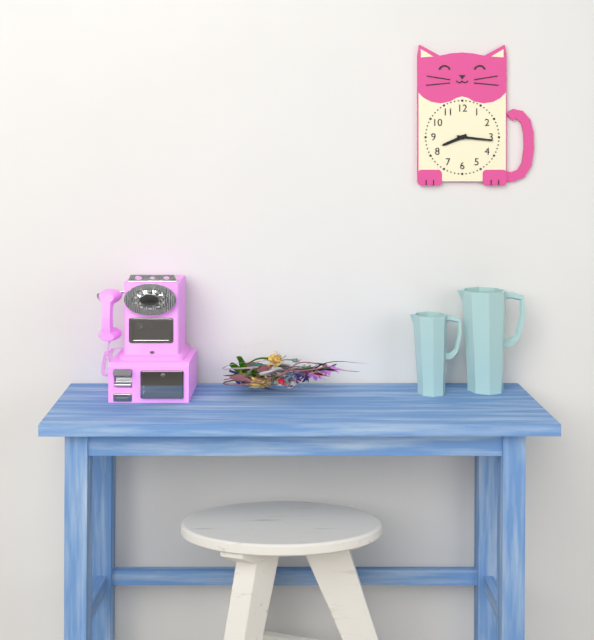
8:16
